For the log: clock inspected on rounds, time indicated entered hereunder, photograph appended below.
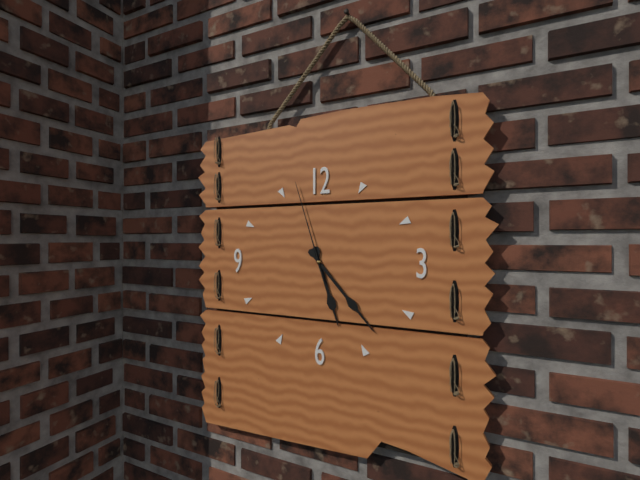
5:23:57
